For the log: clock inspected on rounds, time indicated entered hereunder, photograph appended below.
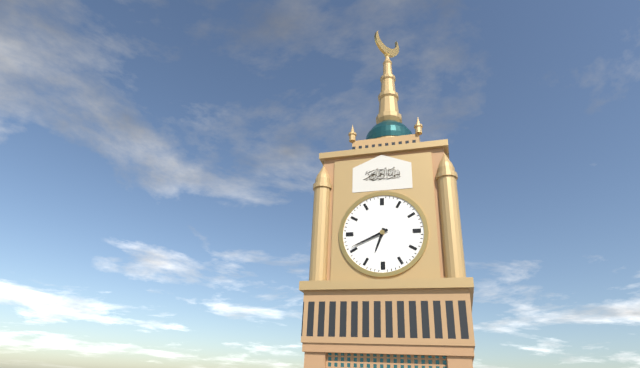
6:41
